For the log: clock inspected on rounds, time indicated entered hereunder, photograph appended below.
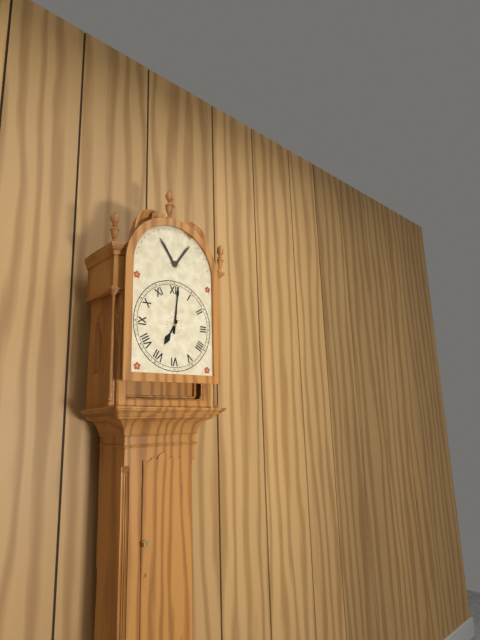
7:01
